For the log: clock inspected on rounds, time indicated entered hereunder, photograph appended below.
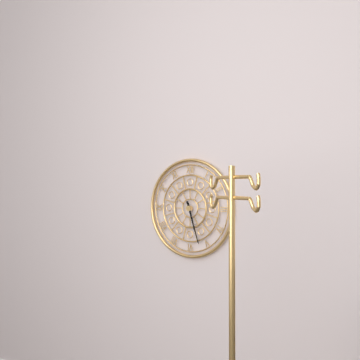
5:27
